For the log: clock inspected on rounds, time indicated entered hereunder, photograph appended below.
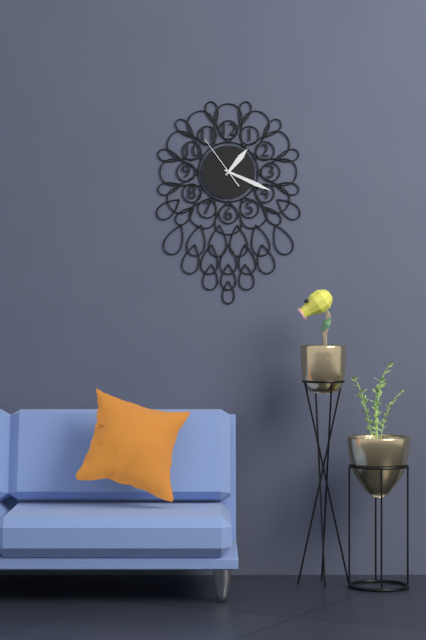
1:19:54
